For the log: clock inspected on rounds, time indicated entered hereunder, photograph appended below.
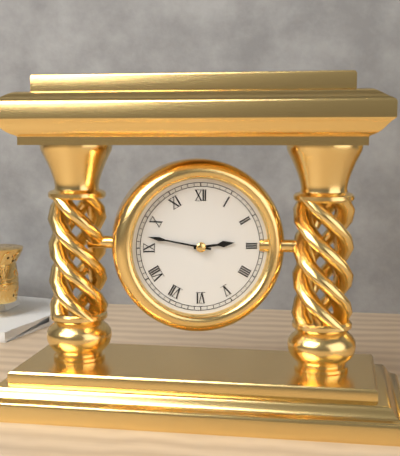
2:47
